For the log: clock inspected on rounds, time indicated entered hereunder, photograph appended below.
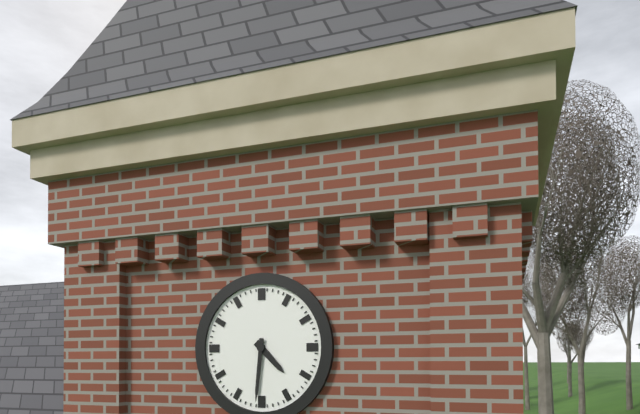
4:31
